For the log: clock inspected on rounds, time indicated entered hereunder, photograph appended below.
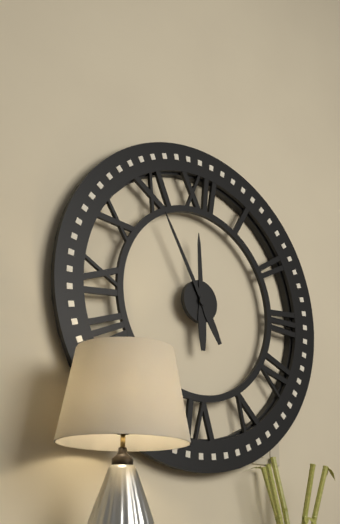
11:55
